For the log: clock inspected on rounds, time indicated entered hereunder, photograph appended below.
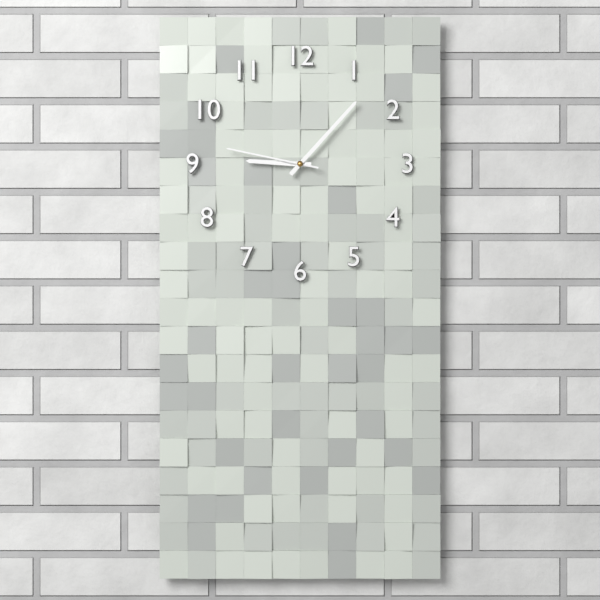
9:07:47
